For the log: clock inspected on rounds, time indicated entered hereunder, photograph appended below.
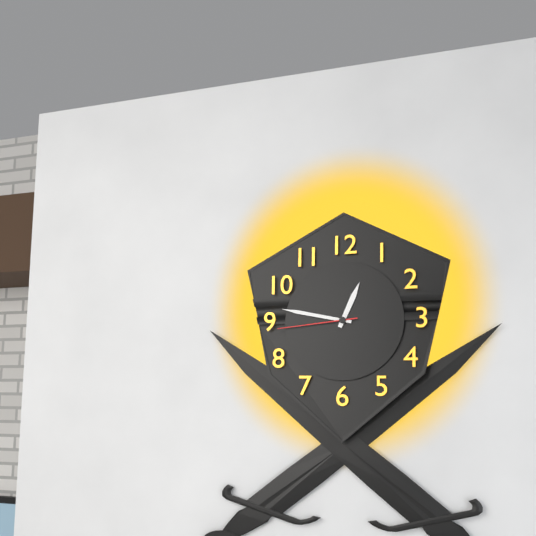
12:47:44
